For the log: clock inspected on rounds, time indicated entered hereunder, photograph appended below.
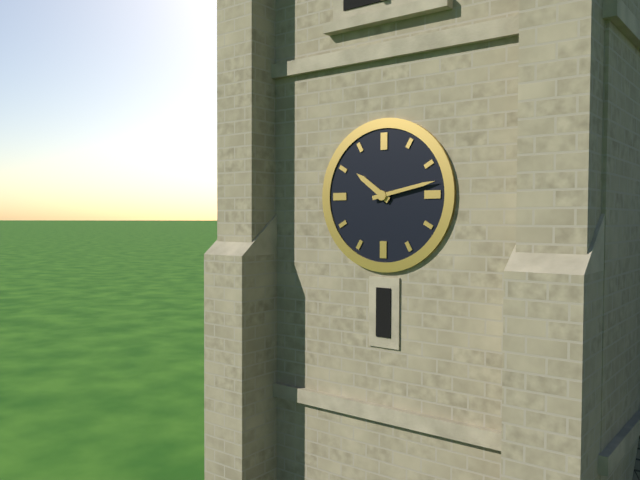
10:13
